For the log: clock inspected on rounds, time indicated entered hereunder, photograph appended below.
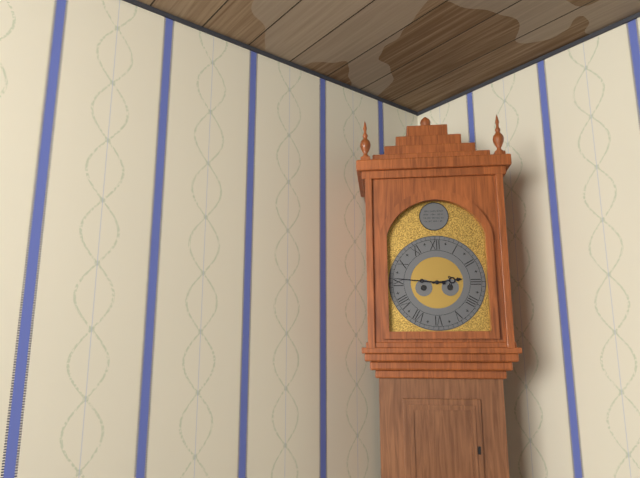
2:46
